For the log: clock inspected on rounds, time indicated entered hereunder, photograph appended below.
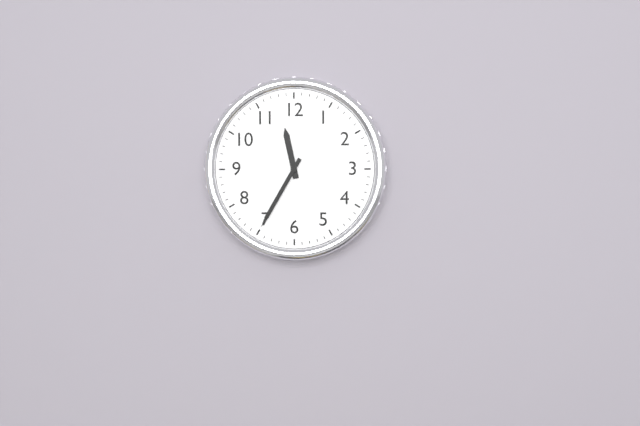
11:35
